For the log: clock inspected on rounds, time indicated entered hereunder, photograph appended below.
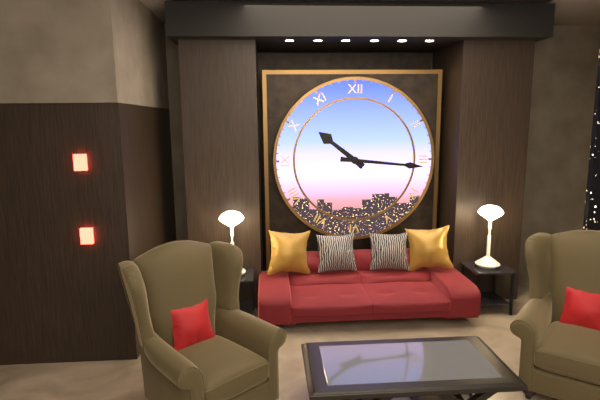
10:16
